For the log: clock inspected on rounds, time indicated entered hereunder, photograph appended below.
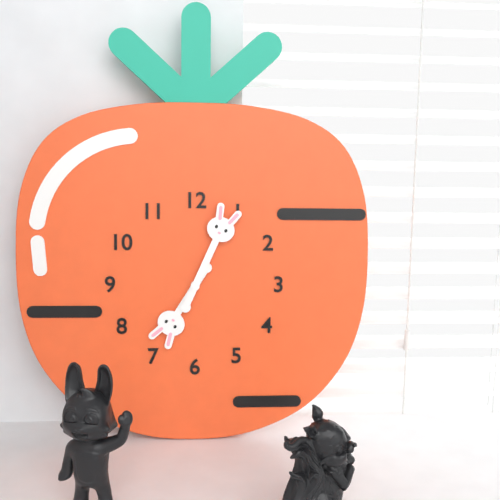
7:04
